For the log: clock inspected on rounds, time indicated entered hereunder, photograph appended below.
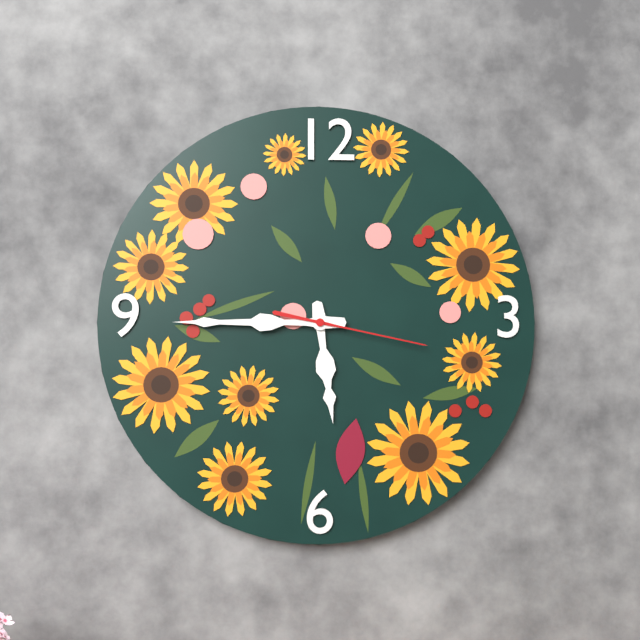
5:45:17
